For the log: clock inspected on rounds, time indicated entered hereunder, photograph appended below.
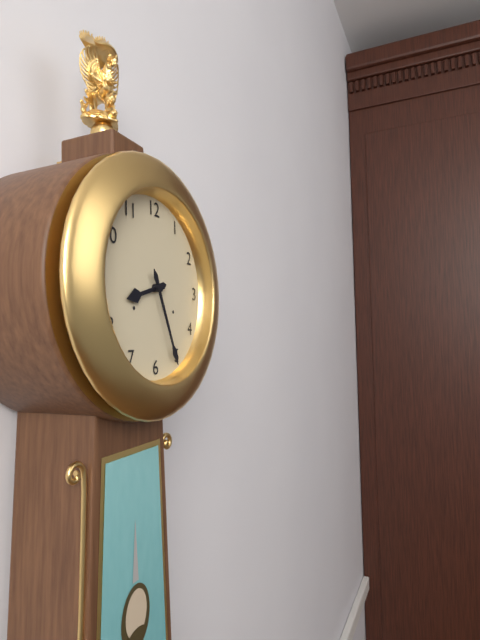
8:26
